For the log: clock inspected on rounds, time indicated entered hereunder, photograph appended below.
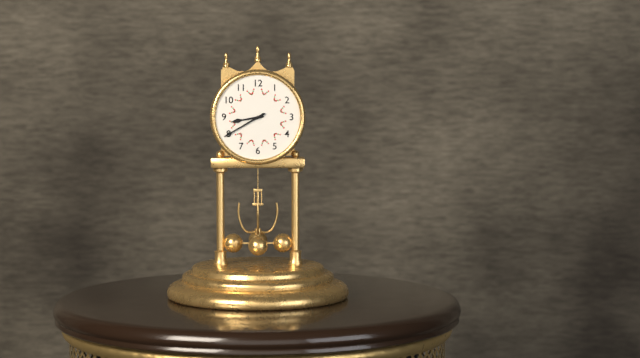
8:40
